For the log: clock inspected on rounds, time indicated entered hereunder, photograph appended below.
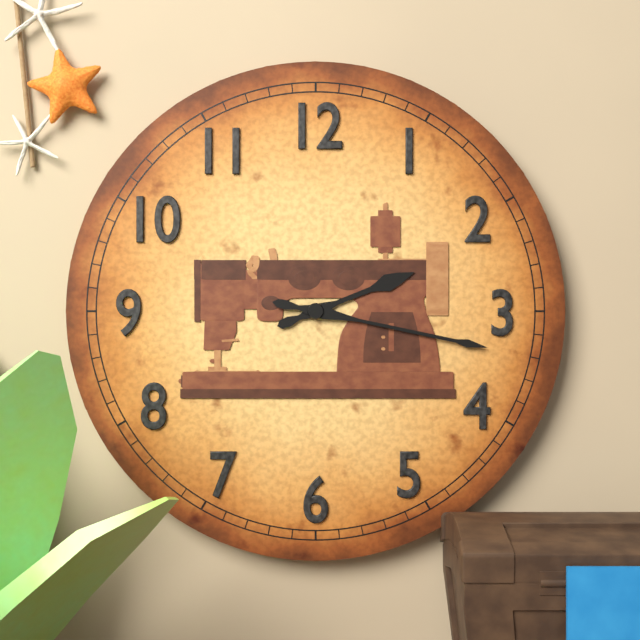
2:17
